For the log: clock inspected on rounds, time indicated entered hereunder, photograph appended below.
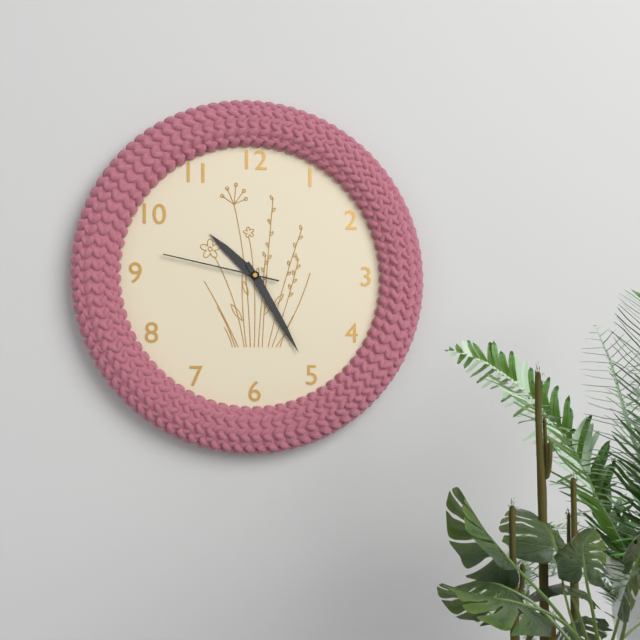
10:25:47
